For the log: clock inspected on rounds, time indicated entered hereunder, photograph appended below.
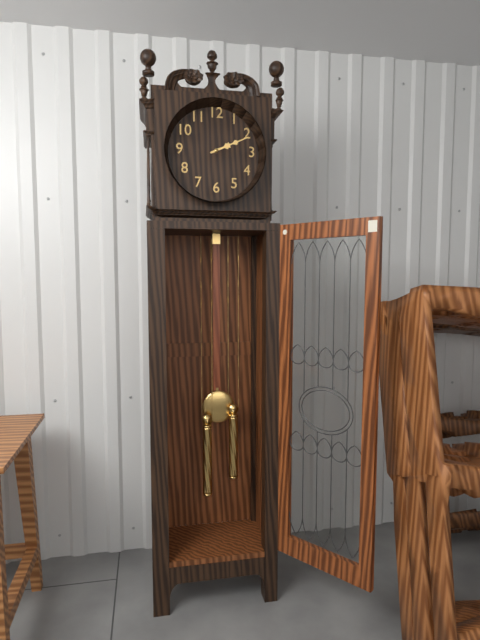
2:11
